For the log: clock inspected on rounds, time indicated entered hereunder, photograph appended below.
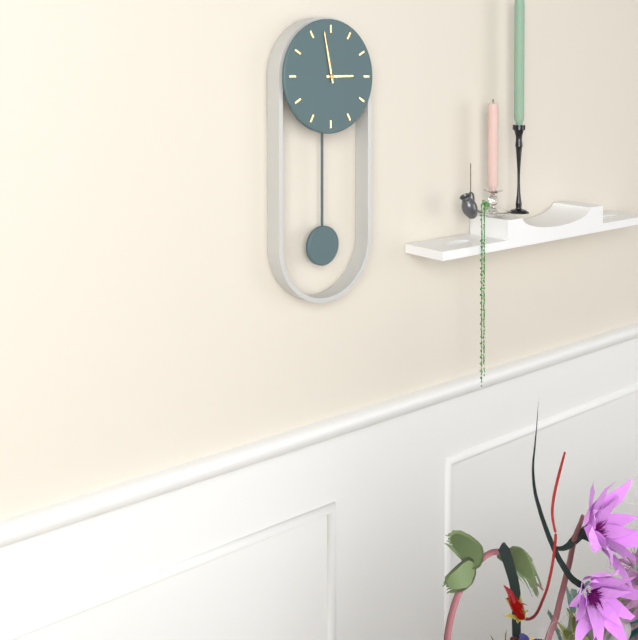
2:58
